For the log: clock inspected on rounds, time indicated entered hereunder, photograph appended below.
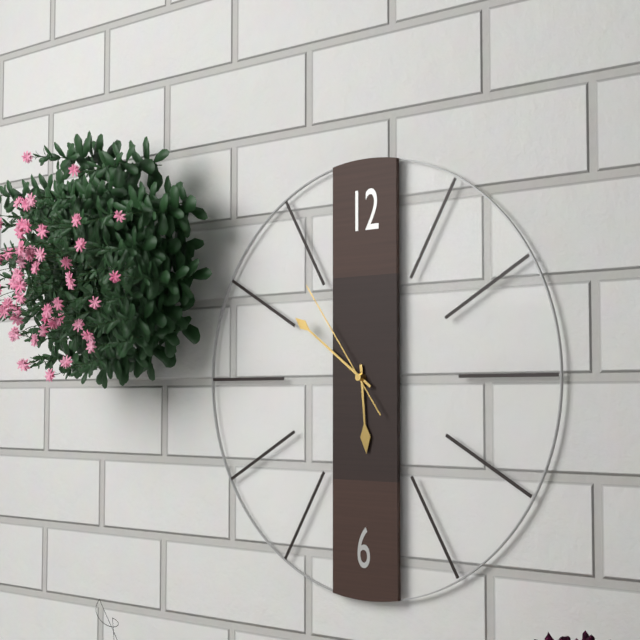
5:51:54
